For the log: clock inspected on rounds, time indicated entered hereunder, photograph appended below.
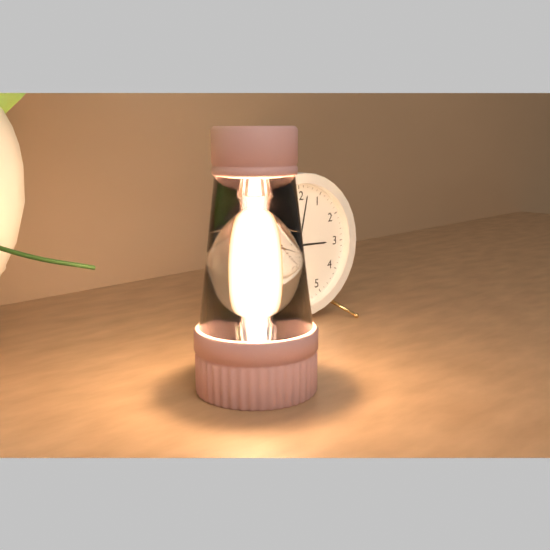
3:02:31
